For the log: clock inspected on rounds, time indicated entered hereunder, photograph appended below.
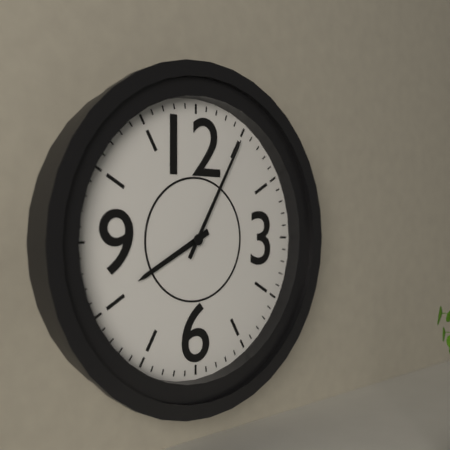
8:05
